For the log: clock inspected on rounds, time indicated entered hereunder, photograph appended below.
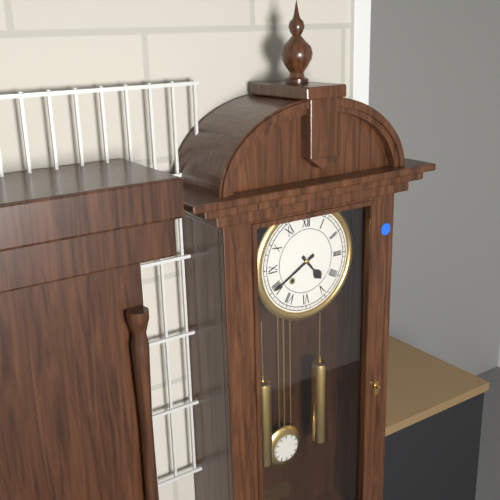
4:40
